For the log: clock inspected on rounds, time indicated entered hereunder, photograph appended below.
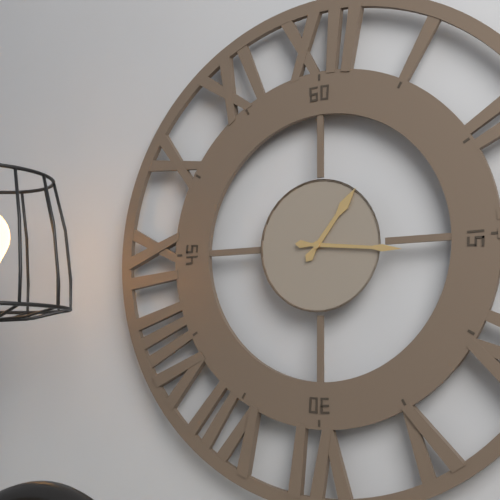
1:16
